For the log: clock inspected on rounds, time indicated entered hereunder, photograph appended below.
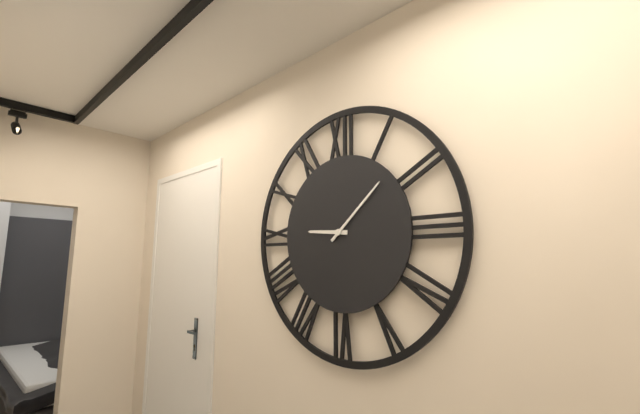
9:08
